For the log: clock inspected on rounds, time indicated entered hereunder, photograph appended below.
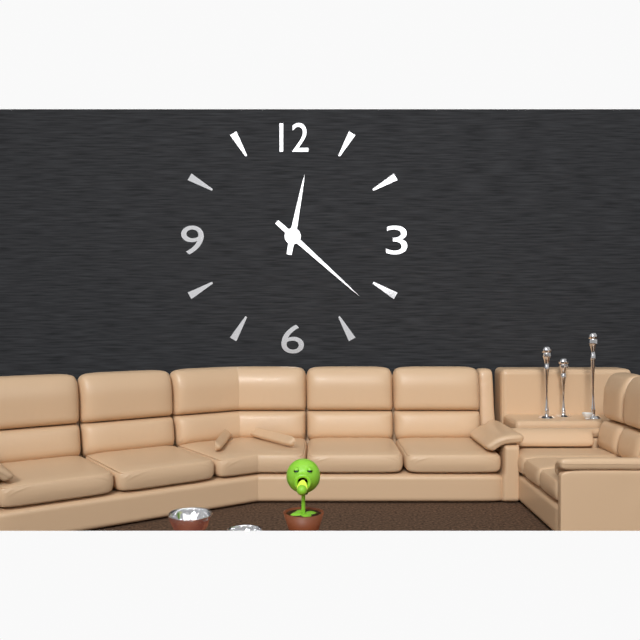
12:22
